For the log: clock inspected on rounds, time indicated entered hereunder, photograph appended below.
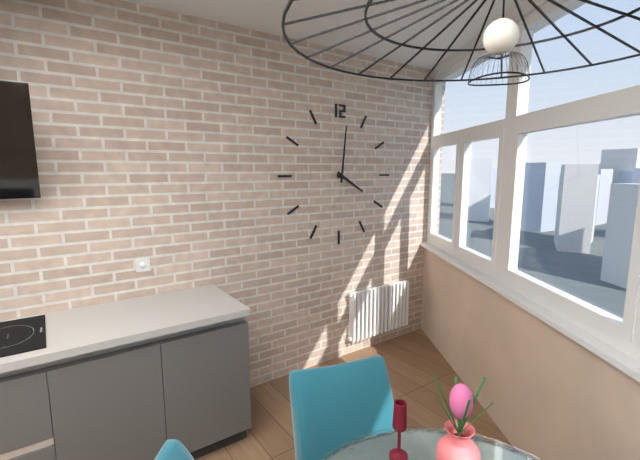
4:01
